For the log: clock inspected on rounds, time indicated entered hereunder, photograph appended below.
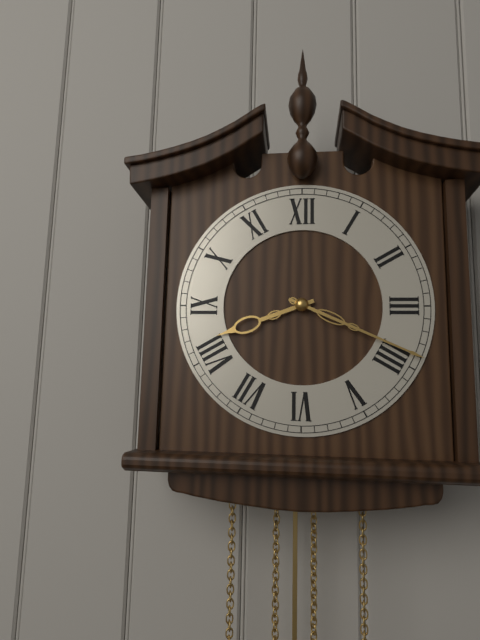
8:19
